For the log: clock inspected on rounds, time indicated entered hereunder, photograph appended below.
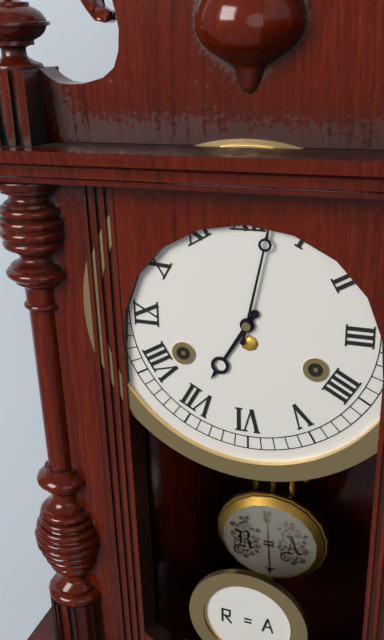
7:02
